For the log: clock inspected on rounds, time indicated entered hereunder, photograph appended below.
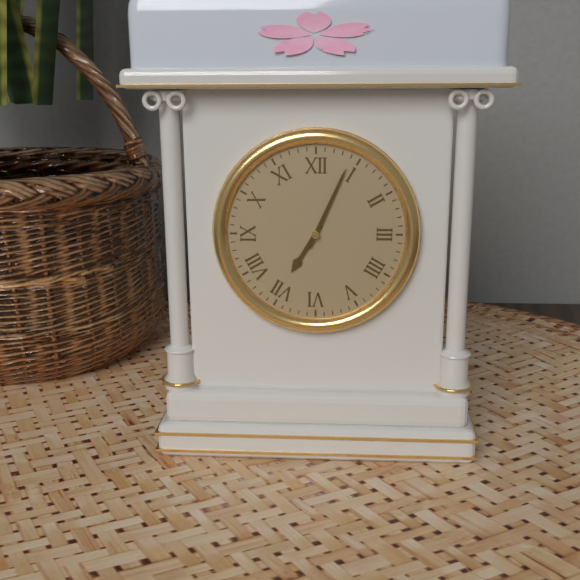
7:04
